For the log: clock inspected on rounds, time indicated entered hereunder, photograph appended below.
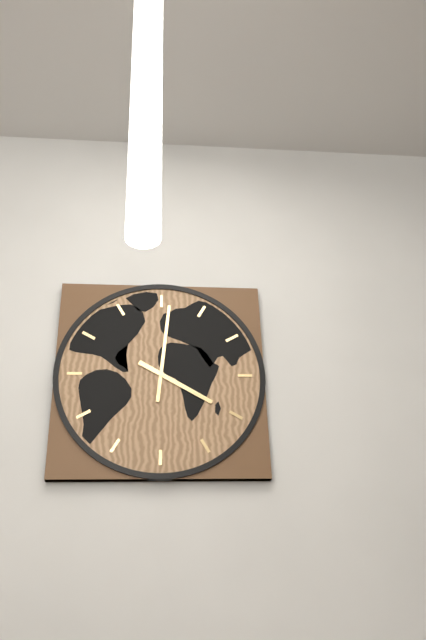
4:01
